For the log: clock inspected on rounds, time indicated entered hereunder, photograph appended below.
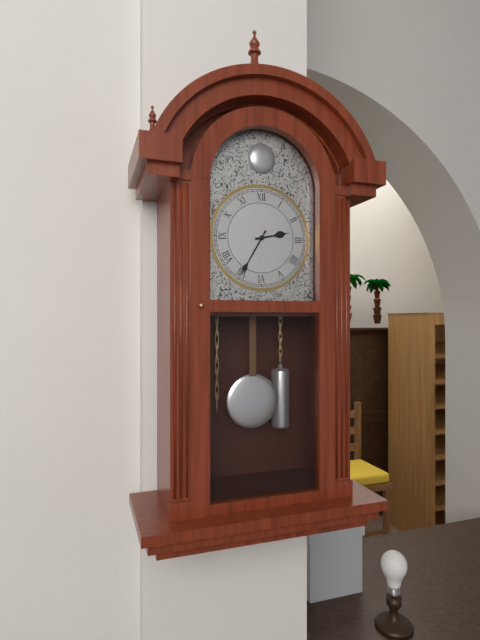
2:35
